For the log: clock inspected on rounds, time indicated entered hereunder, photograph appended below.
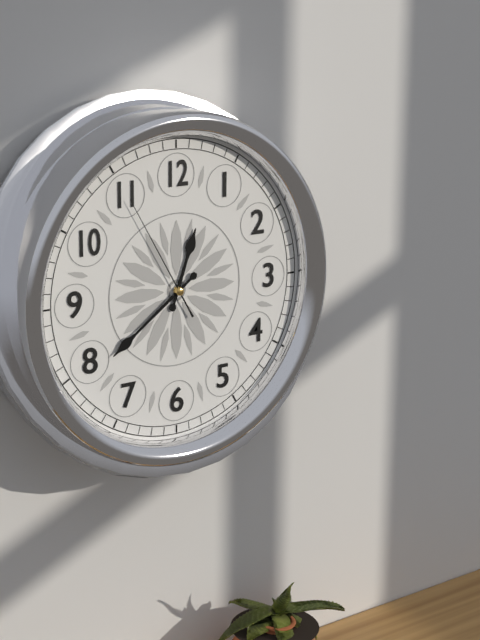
12:39:55
